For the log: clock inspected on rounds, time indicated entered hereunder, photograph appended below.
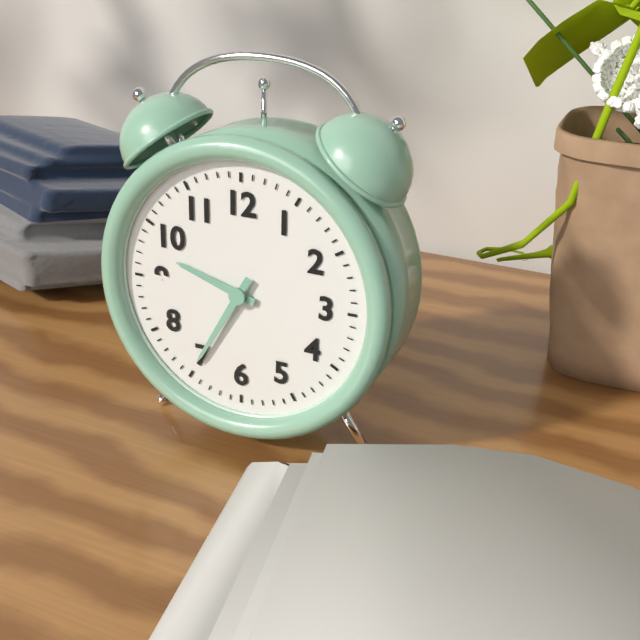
9:35
